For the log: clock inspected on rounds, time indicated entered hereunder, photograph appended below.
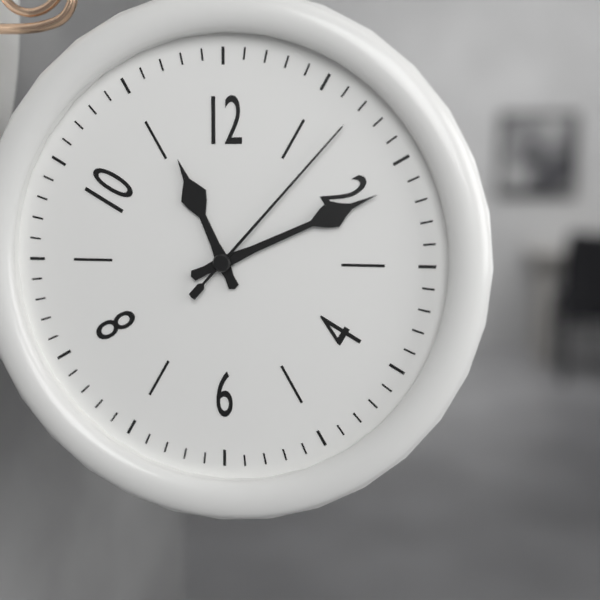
11:11:07
